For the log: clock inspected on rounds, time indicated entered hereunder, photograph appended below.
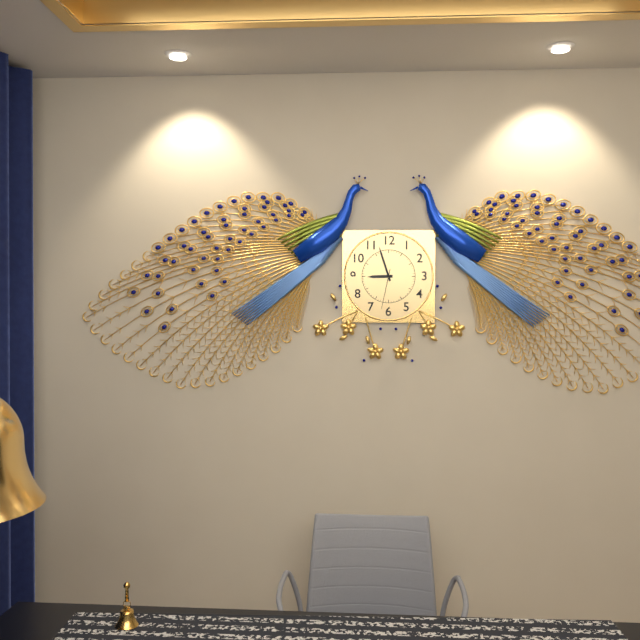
8:57
